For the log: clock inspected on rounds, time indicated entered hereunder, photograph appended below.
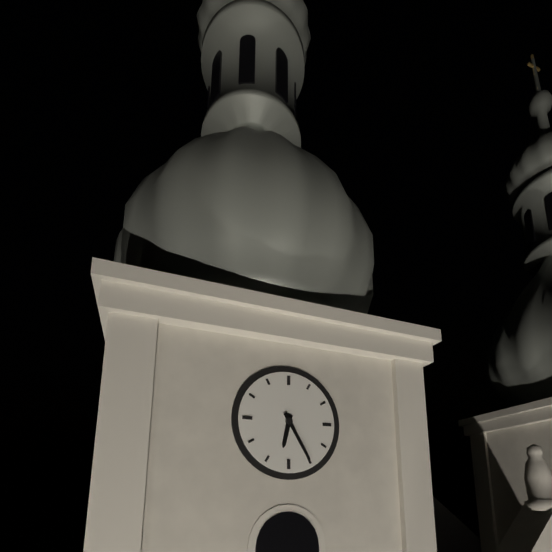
6:25
